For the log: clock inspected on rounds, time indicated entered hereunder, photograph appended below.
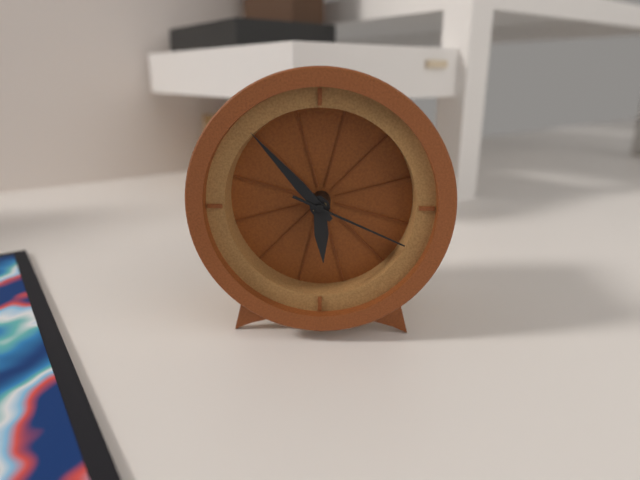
5:53:19
